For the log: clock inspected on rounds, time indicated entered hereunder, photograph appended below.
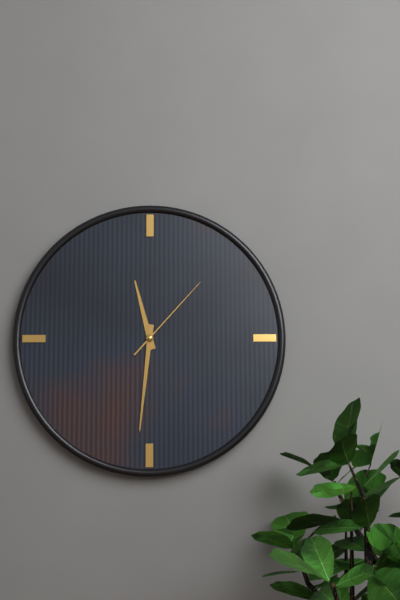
11:31:07
